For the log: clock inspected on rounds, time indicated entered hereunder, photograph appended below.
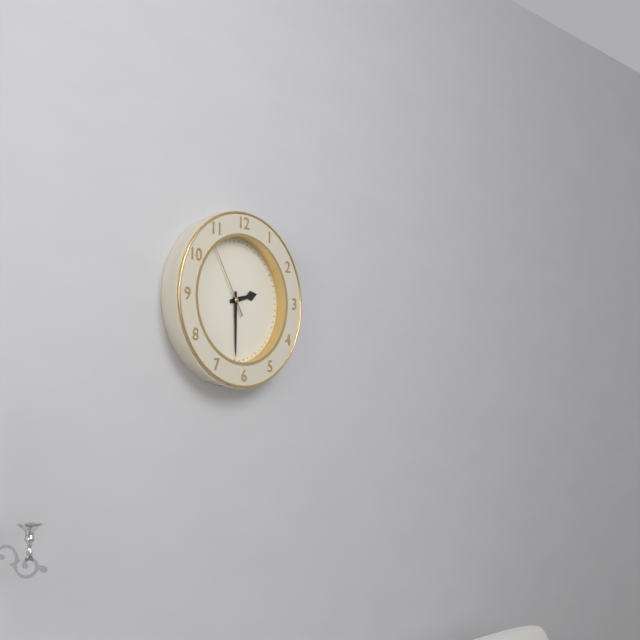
2:30:55
